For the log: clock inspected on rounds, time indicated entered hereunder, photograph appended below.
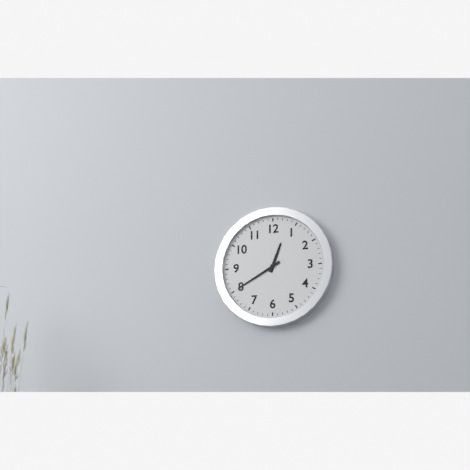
12:40
